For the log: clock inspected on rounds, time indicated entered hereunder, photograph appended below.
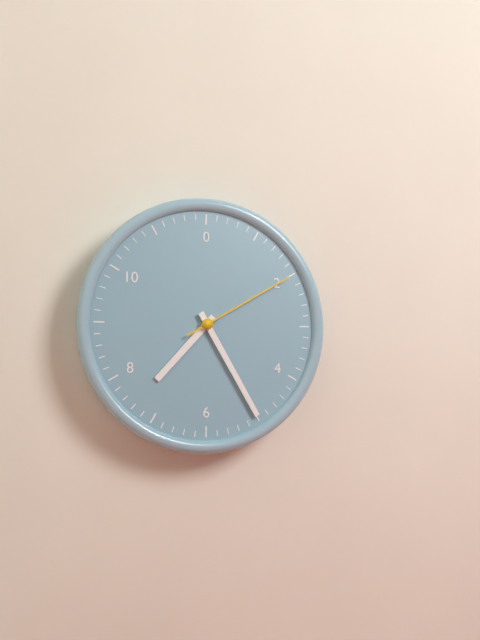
7:25:10
